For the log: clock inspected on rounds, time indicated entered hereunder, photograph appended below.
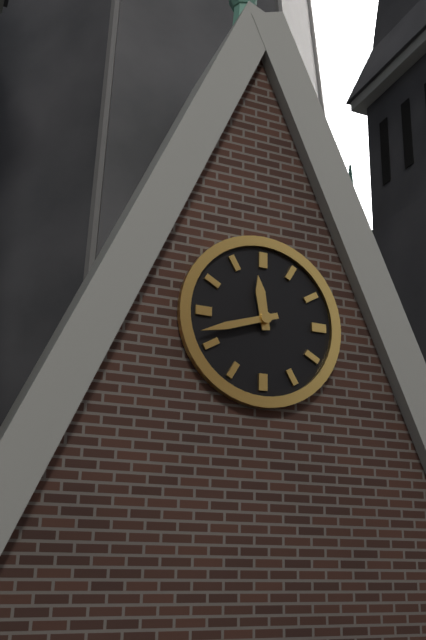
11:42
